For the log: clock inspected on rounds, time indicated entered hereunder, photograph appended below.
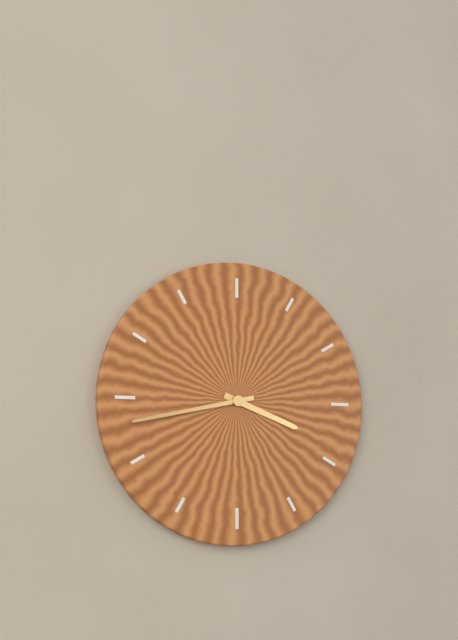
3:43
